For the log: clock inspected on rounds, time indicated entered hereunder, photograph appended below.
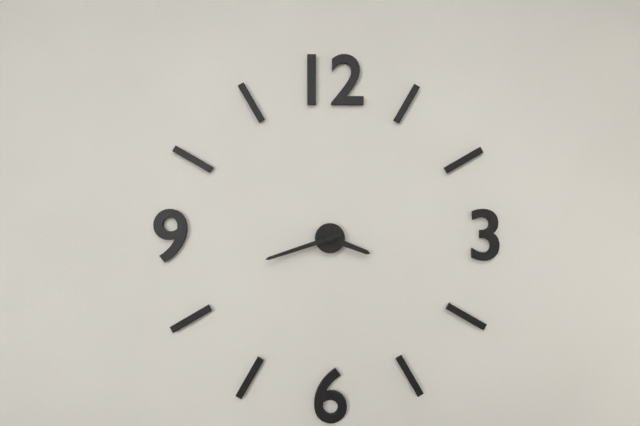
3:42
